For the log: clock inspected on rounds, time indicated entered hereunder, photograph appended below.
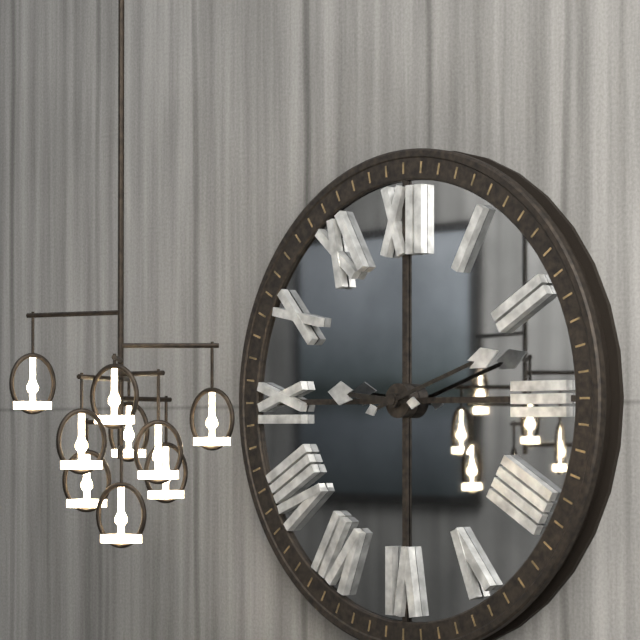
9:12
